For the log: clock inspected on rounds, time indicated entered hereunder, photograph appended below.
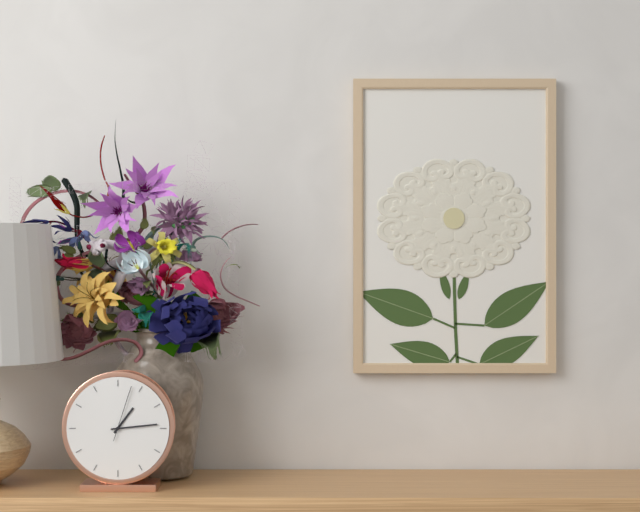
1:14:03
